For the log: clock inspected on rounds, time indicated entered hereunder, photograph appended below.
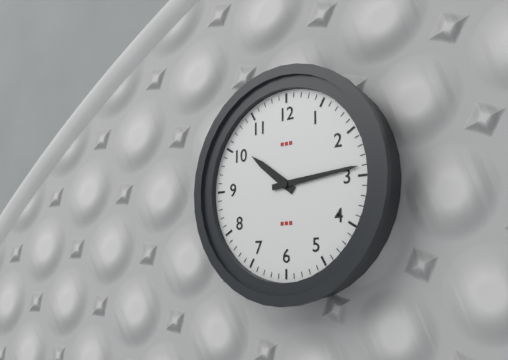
10:14
